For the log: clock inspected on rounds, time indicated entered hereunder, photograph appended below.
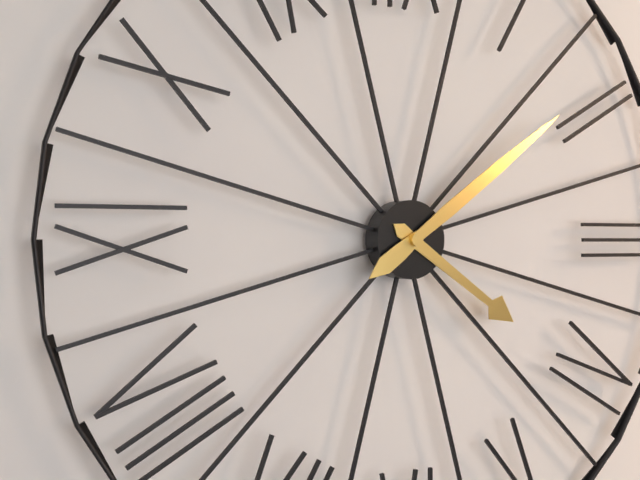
4:09
